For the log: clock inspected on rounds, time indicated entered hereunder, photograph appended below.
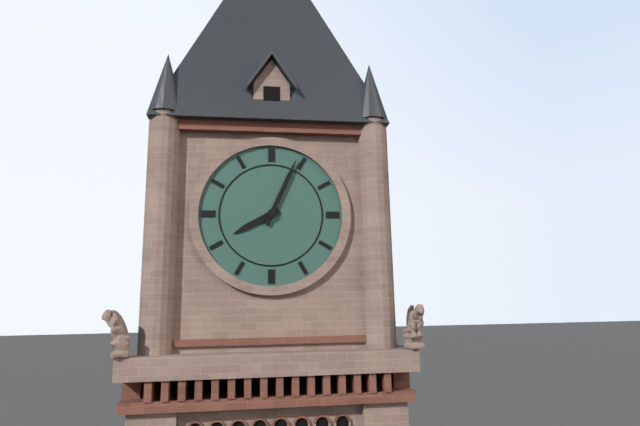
8:04
